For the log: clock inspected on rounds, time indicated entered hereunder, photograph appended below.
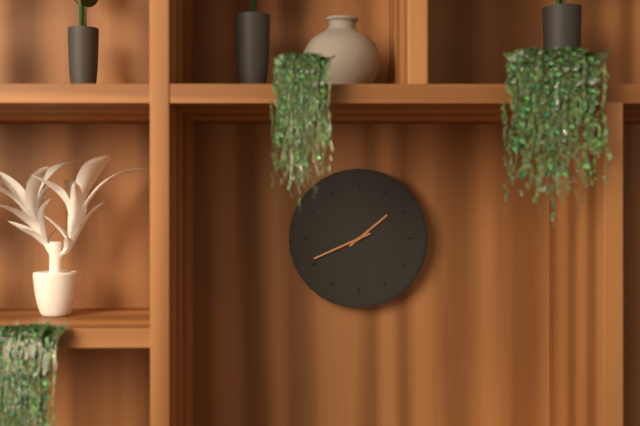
1:41
